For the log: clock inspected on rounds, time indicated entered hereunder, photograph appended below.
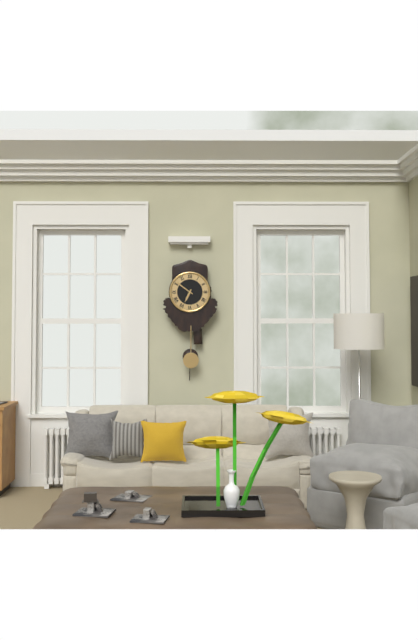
6:51
